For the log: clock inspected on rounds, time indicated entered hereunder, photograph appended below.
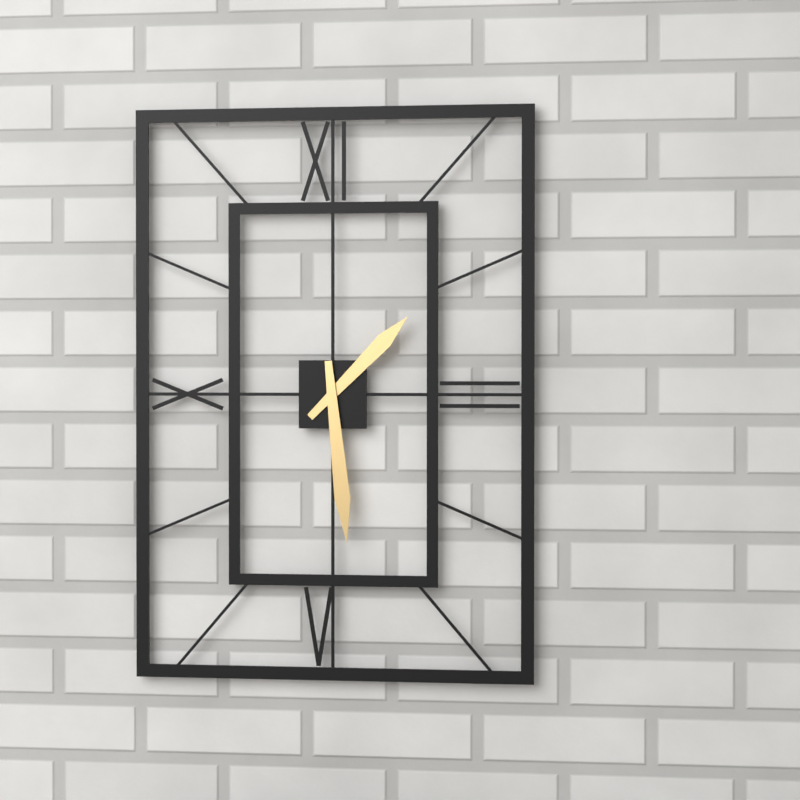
1:29
